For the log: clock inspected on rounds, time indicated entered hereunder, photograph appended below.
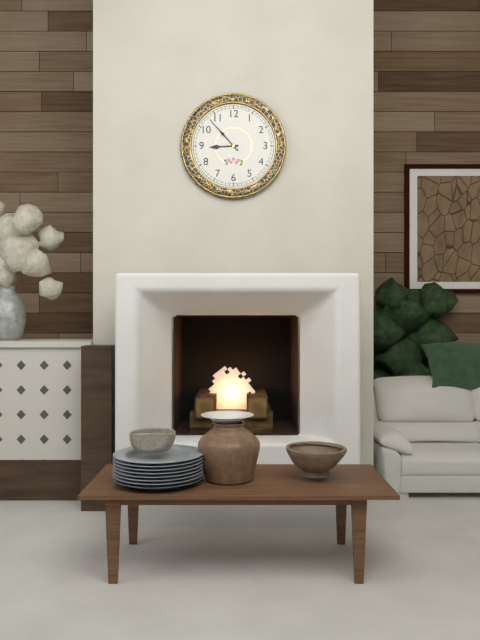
8:53
